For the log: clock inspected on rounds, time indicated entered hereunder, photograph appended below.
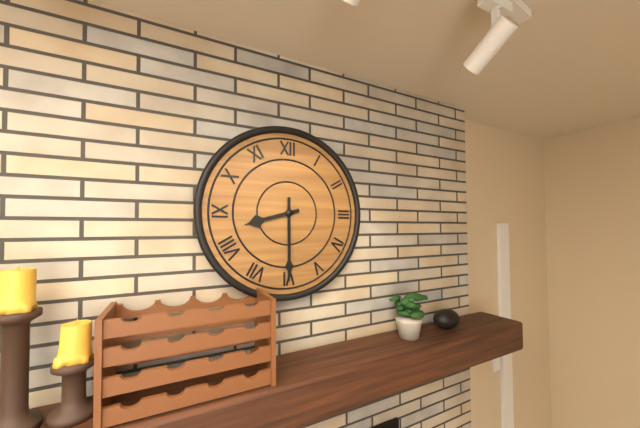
8:30
